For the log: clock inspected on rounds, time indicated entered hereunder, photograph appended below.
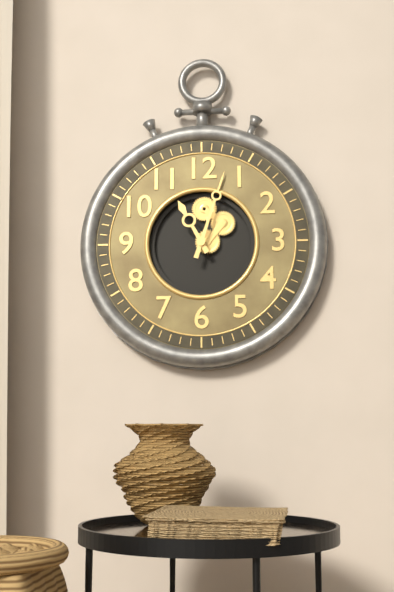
11:03
